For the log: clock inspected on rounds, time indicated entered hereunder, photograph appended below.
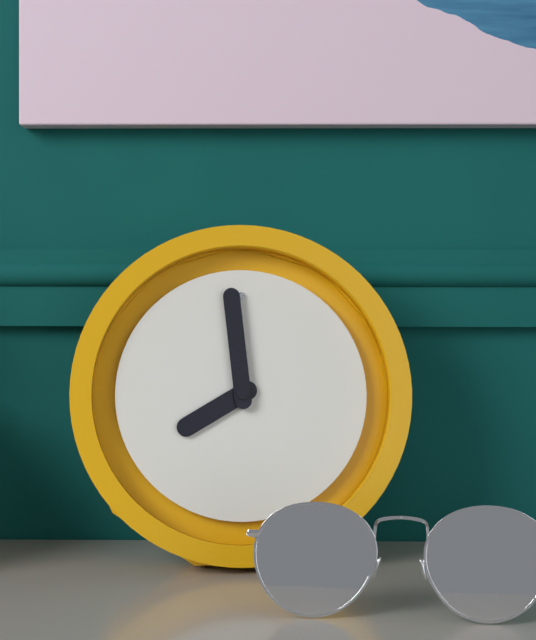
7:59
